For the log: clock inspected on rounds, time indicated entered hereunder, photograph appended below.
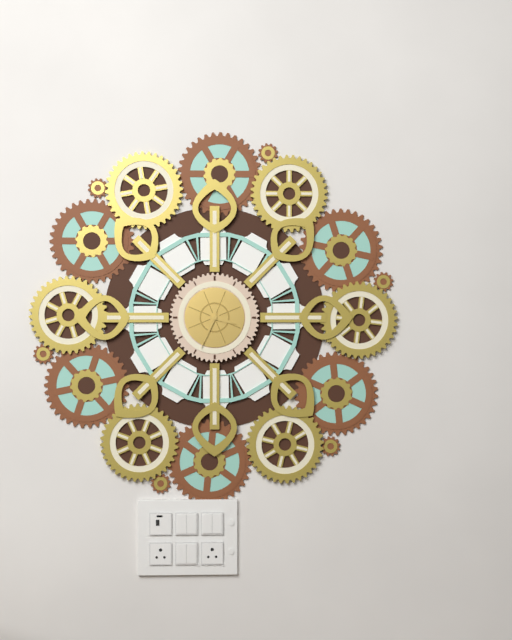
3:34
